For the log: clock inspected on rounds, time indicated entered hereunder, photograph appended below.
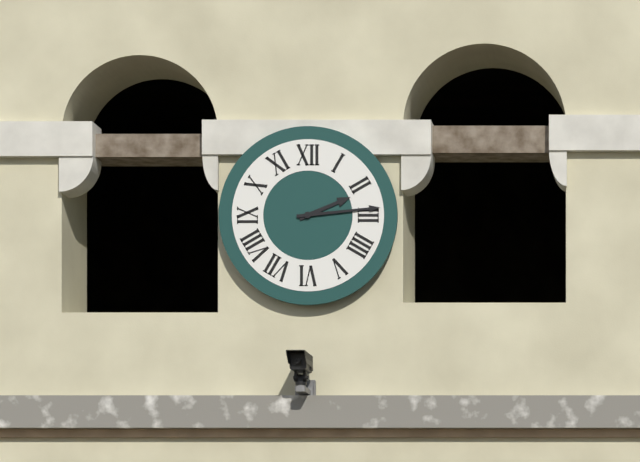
2:14
